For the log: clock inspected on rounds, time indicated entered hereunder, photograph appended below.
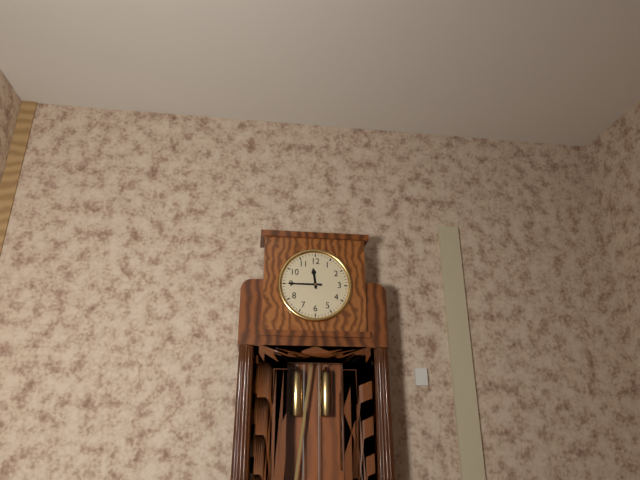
11:45
